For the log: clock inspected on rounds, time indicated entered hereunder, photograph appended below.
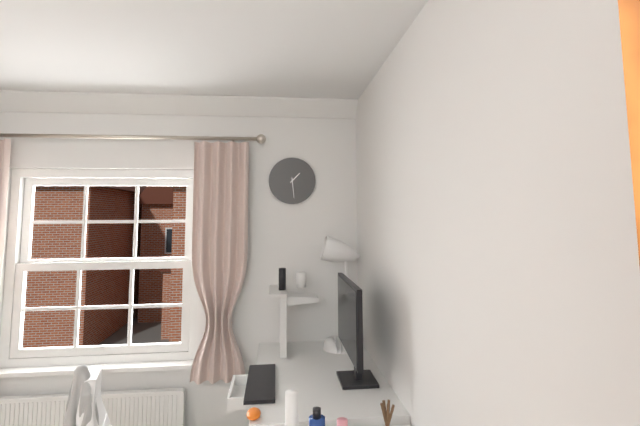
1:29
